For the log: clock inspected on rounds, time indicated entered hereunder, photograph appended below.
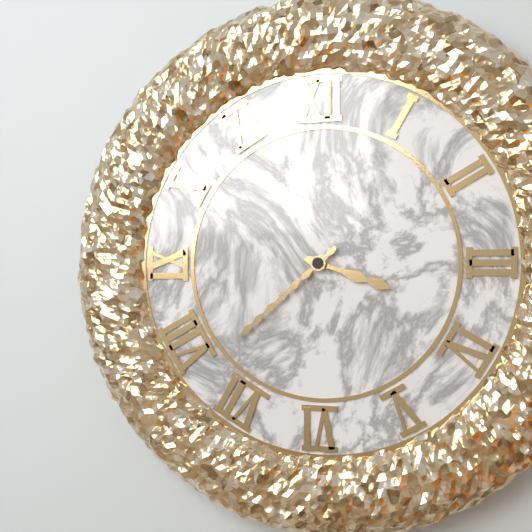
3:38
